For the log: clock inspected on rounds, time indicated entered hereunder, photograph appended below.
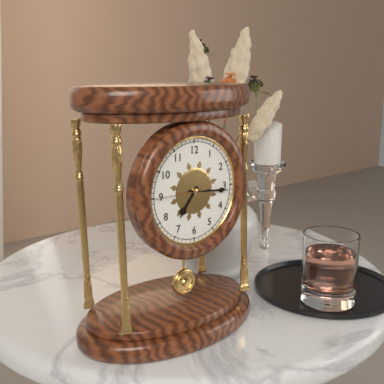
7:16:45
